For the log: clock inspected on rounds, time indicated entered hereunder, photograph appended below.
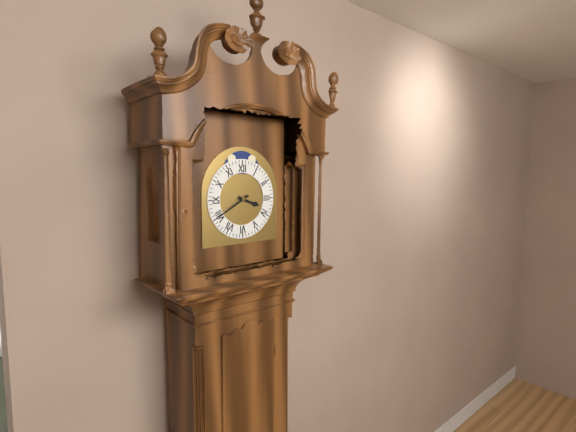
3:40
